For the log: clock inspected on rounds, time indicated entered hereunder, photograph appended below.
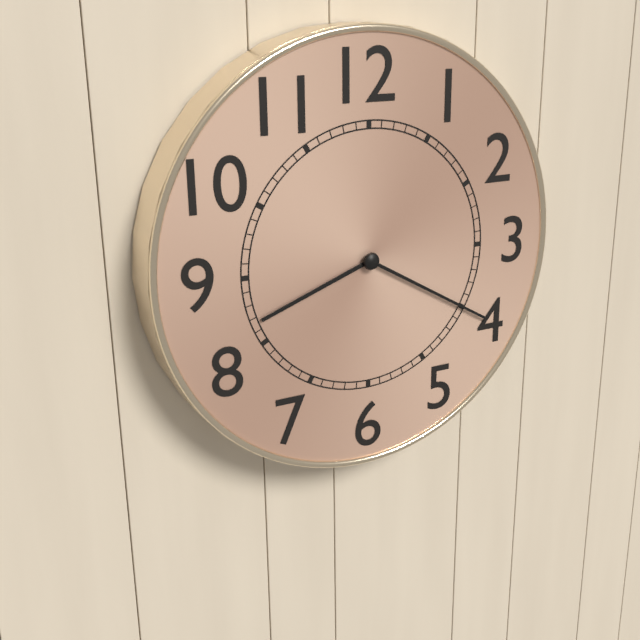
8:20
